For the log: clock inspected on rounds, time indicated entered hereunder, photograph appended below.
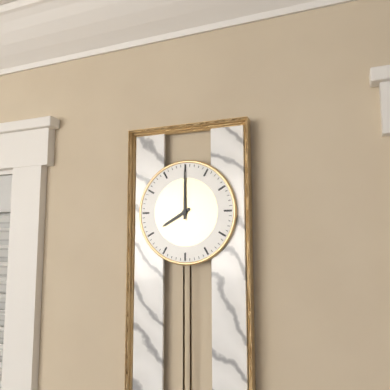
8:00
